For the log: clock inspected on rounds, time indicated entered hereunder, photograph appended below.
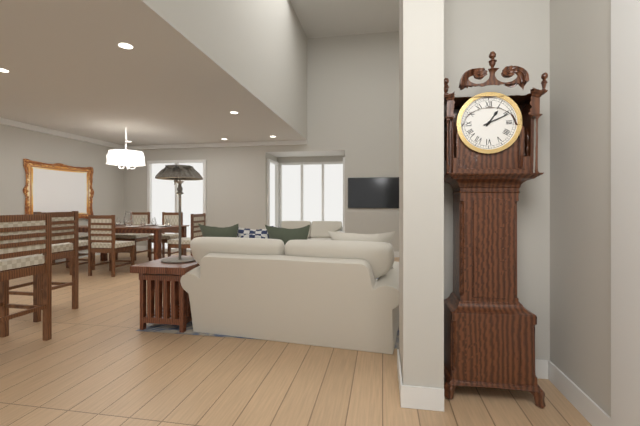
1:11
